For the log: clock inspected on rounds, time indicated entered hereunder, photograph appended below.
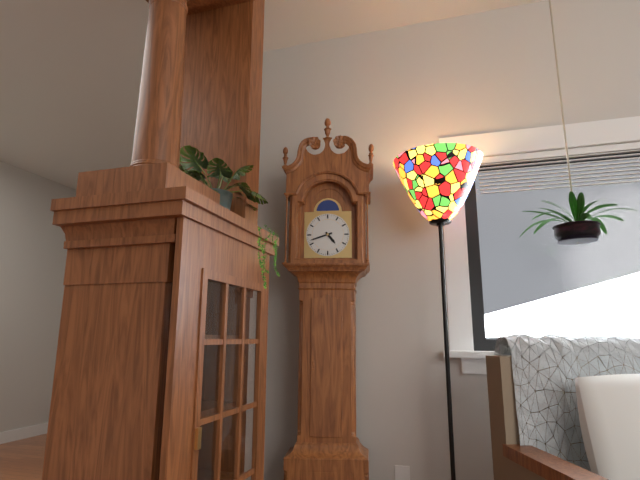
4:42
